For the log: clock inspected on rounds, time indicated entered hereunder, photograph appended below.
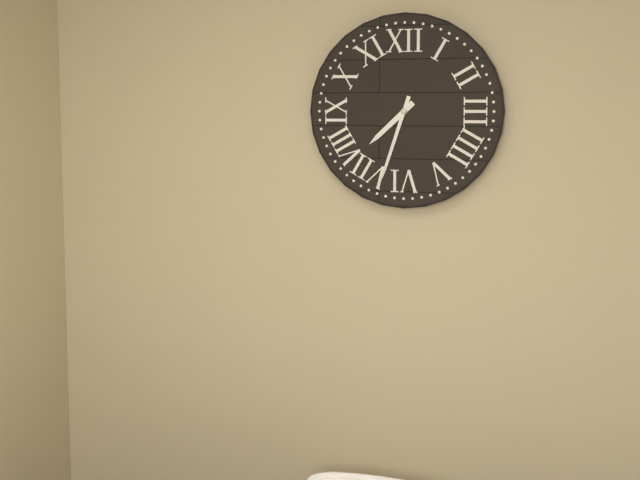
7:33
